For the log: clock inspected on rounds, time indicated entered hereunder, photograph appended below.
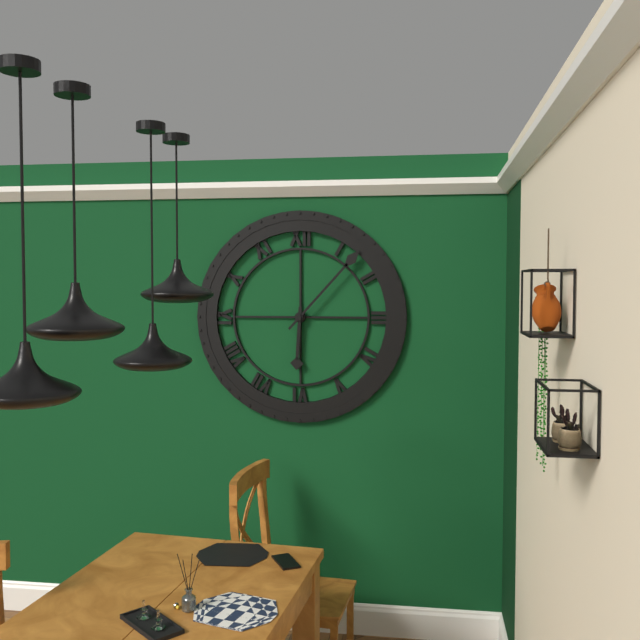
6:07
